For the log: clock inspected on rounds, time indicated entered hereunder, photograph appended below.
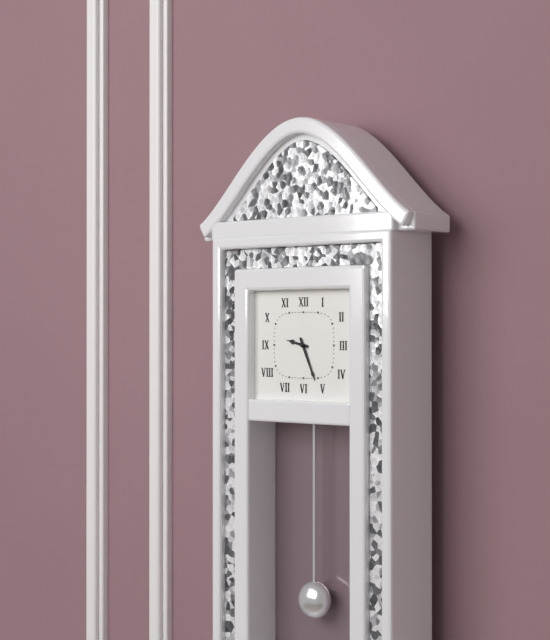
9:26
